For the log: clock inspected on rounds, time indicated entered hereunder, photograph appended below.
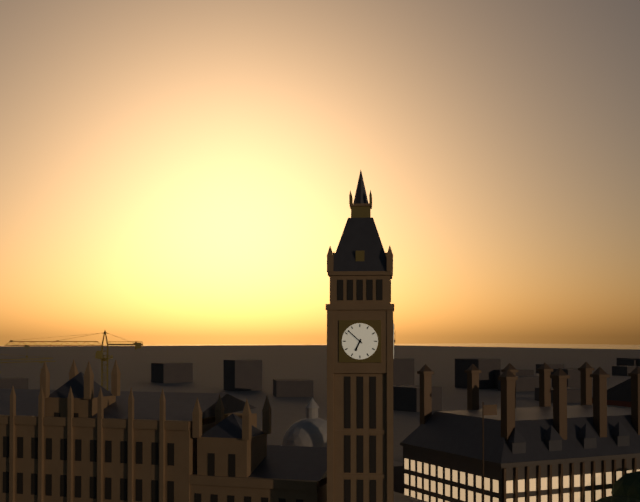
6:52
